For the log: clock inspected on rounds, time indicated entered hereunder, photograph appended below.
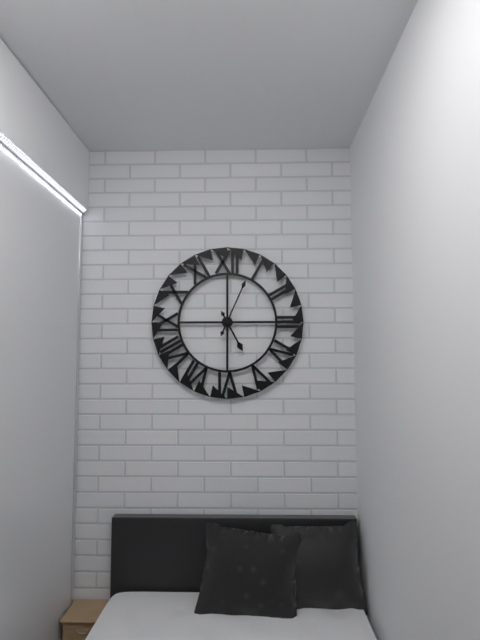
5:04
